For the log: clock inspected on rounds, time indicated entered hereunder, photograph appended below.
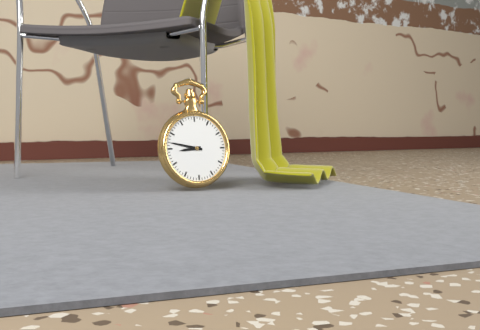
8:47
